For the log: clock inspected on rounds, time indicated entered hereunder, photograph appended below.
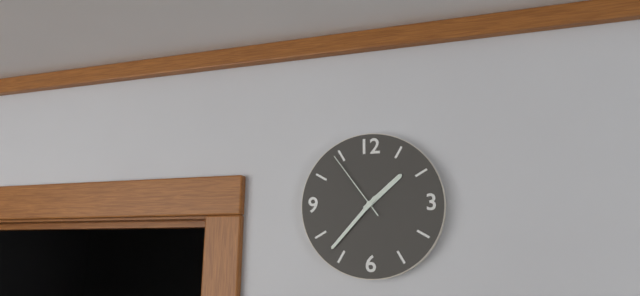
1:37:54
